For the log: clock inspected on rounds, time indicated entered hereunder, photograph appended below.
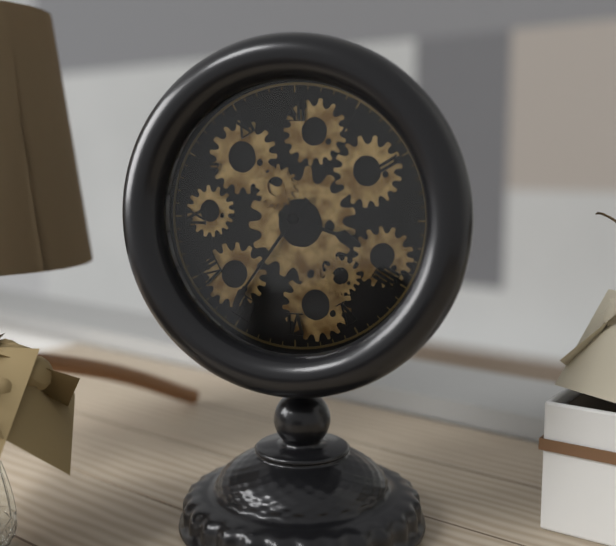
3:36
